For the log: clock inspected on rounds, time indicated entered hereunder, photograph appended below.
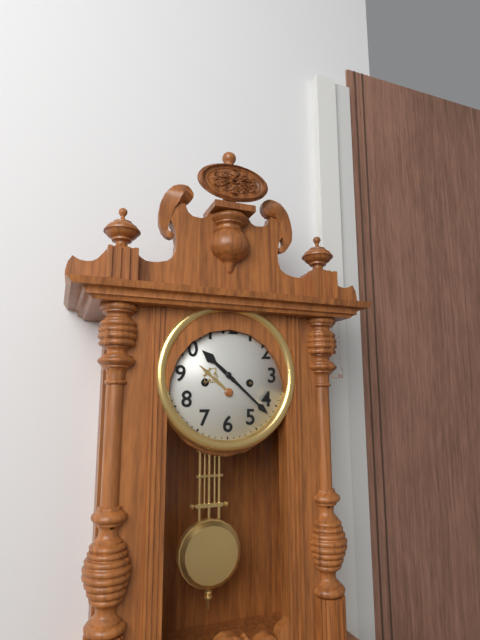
10:22
